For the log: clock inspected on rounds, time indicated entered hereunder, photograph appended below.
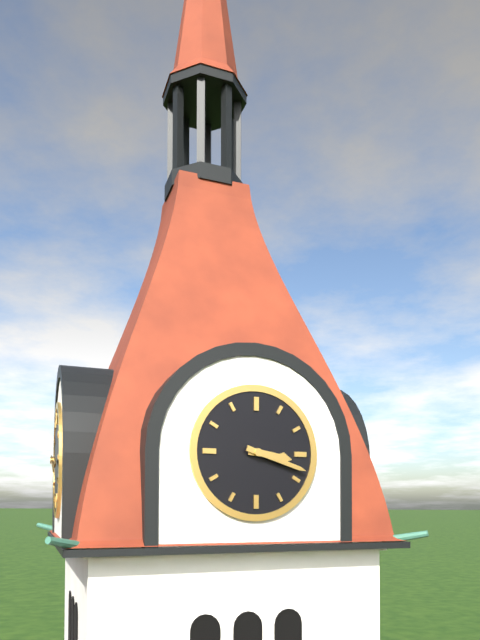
3:18
